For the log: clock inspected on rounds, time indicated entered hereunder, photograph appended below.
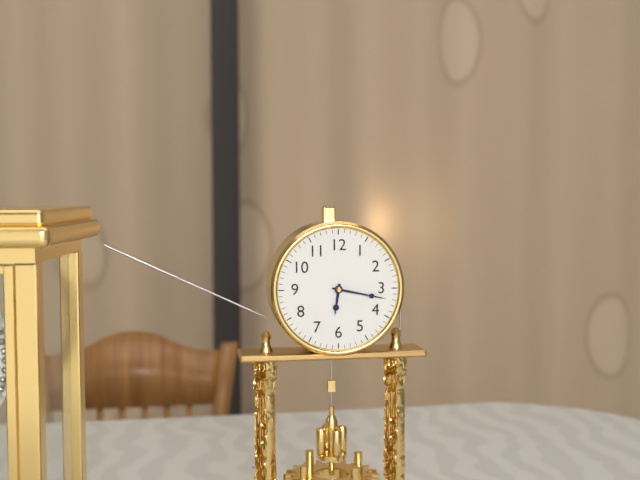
6:17
